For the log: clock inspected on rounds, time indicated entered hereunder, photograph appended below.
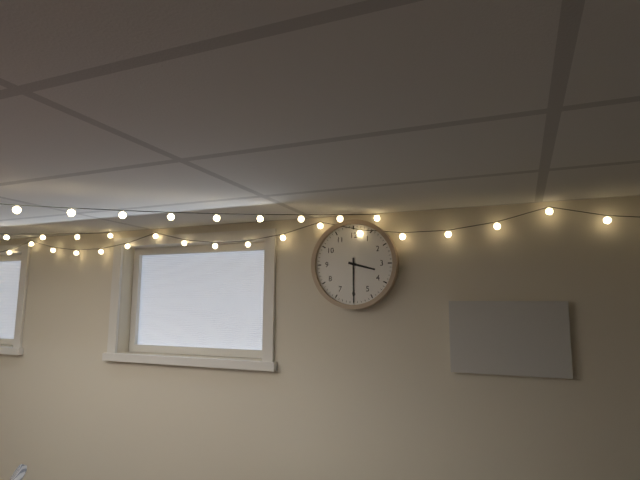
3:30
